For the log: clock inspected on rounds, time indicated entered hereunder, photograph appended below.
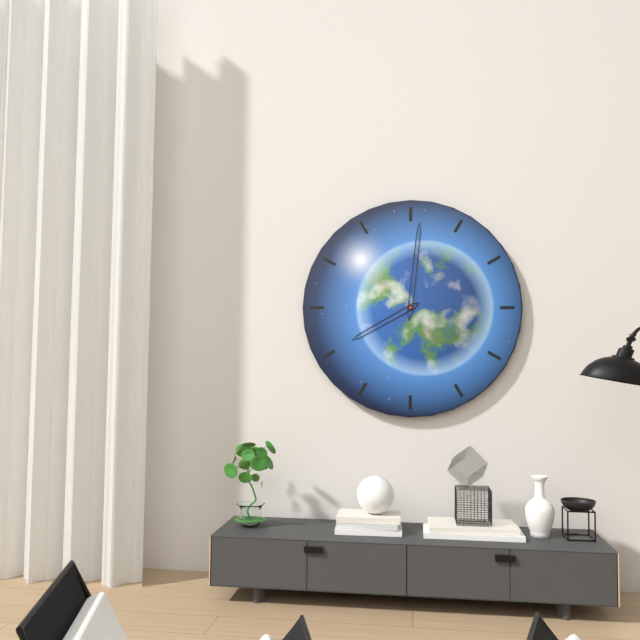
8:01
